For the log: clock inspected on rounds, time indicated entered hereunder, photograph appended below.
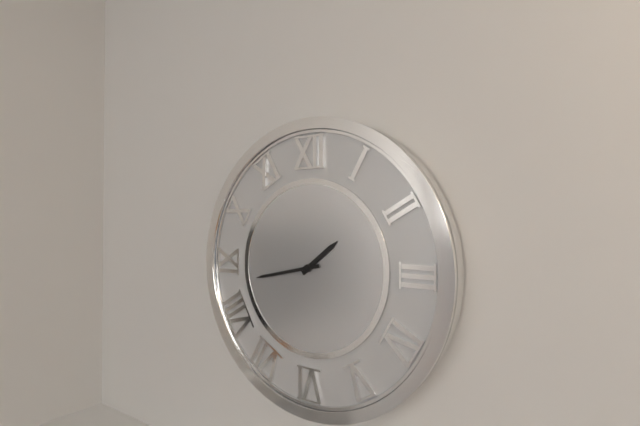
1:43
